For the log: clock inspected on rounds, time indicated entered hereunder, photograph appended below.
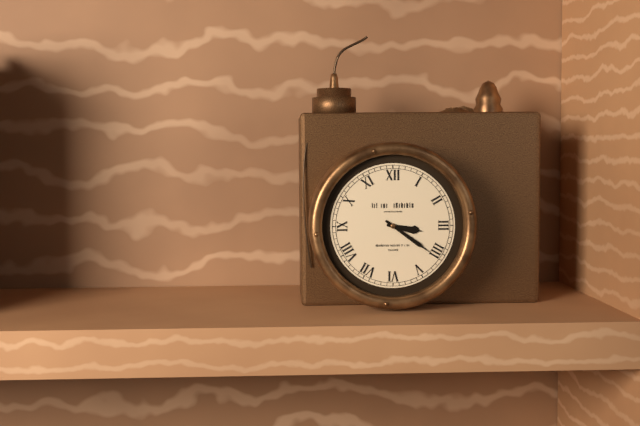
3:21
